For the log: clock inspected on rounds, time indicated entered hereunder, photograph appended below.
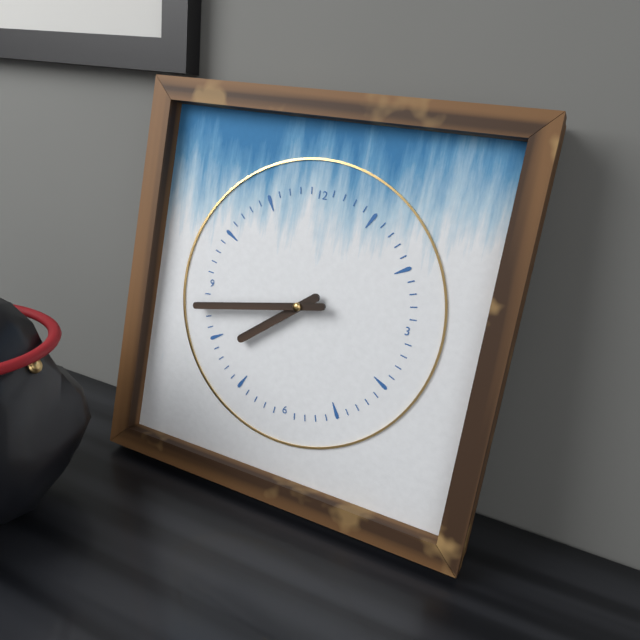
7:43
